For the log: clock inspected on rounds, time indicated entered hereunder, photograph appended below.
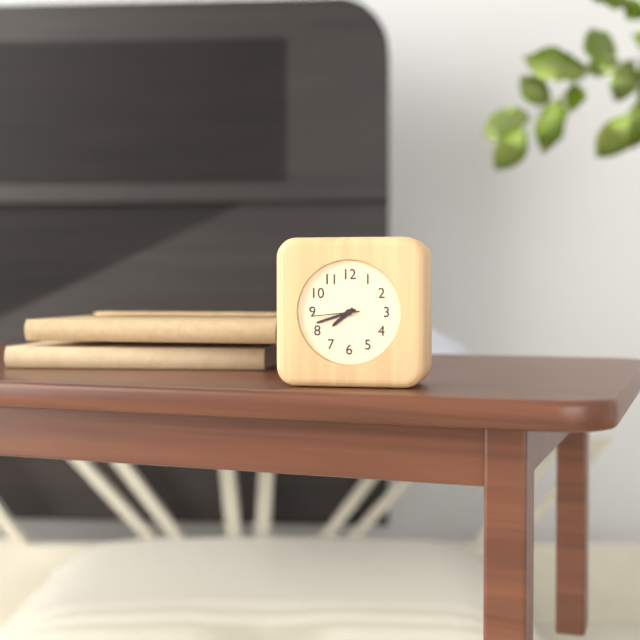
7:42
